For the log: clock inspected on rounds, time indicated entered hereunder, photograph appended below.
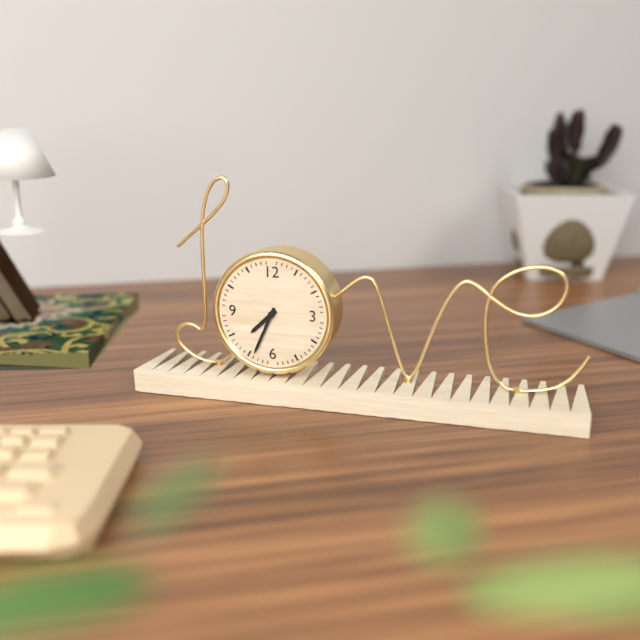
7:34
